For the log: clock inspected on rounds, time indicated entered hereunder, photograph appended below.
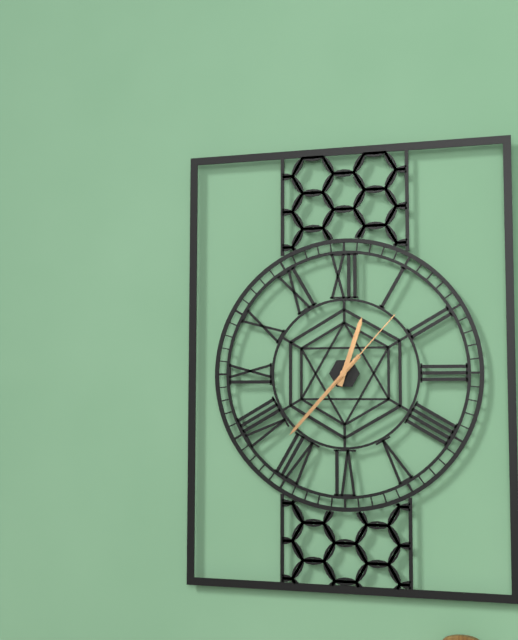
12:37:07
